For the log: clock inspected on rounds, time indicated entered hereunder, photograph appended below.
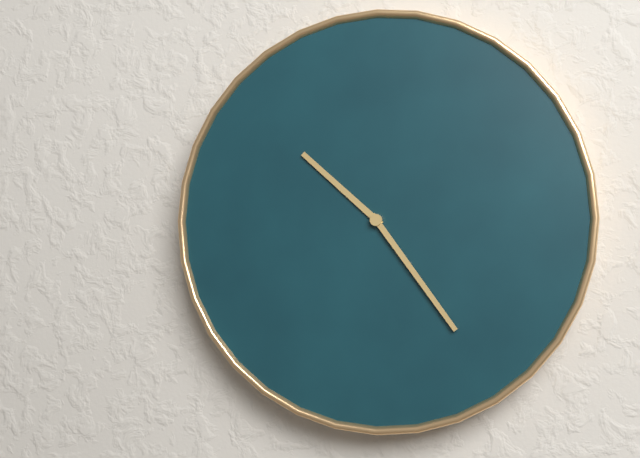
10:24
